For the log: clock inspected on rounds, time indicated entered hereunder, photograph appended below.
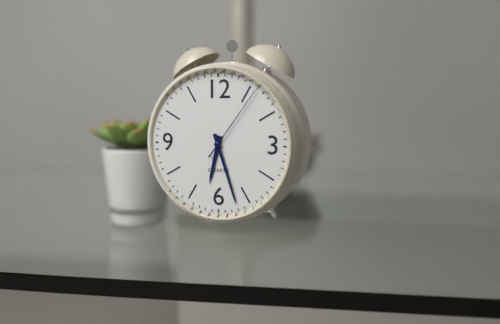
6:27:06
